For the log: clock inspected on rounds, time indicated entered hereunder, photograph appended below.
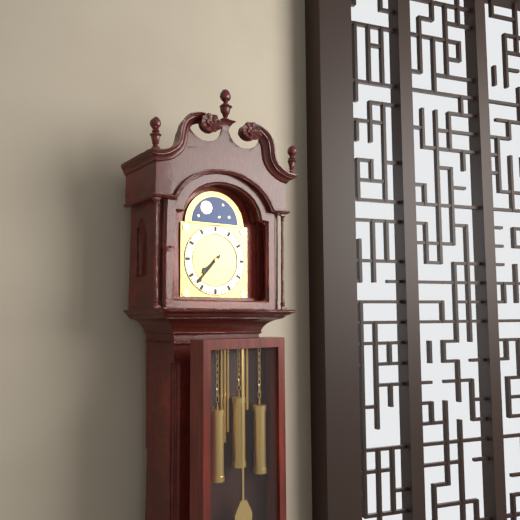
7:37
